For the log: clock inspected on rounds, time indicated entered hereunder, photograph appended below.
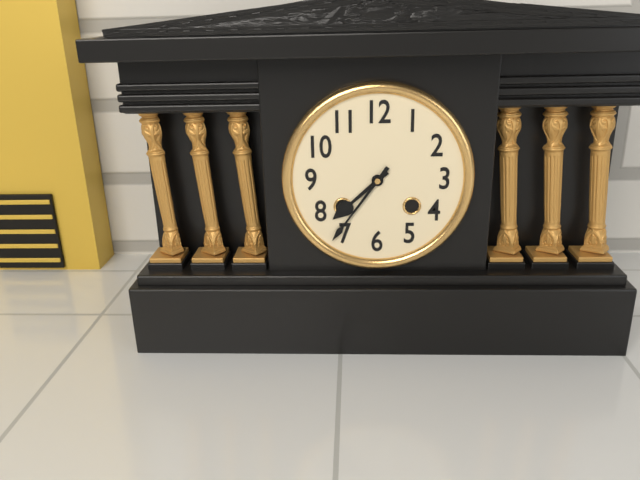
7:36
